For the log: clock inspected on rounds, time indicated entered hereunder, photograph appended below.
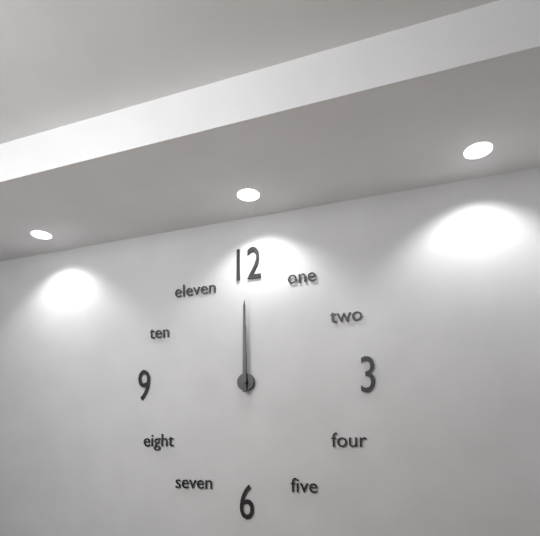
12:00
